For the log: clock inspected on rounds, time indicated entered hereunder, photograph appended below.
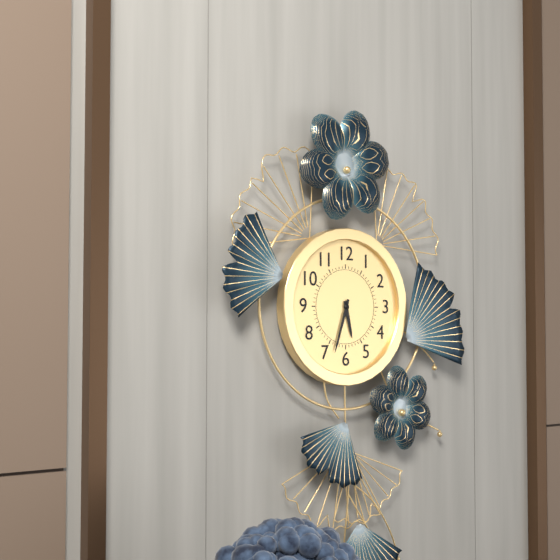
5:33
